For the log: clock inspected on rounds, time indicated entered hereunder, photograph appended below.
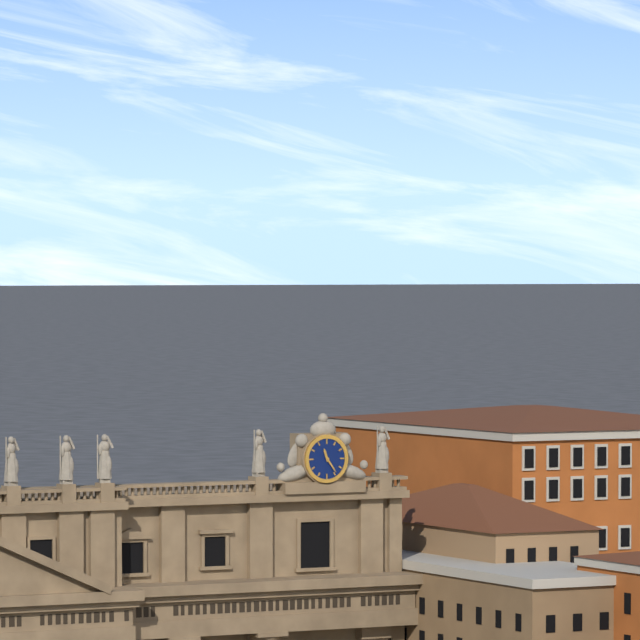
11:24
